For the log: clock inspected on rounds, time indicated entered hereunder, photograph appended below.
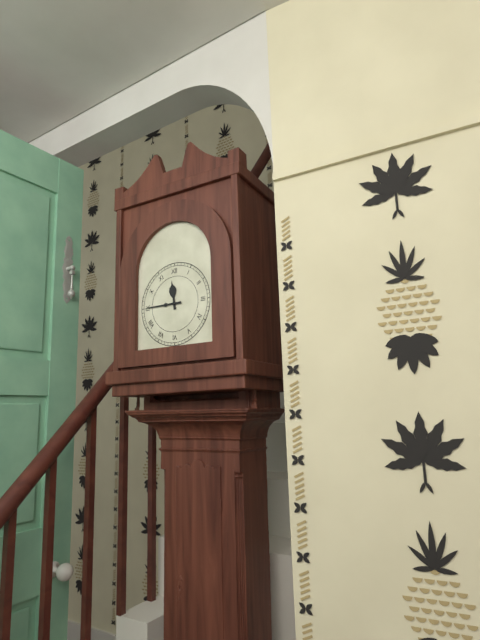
11:45
